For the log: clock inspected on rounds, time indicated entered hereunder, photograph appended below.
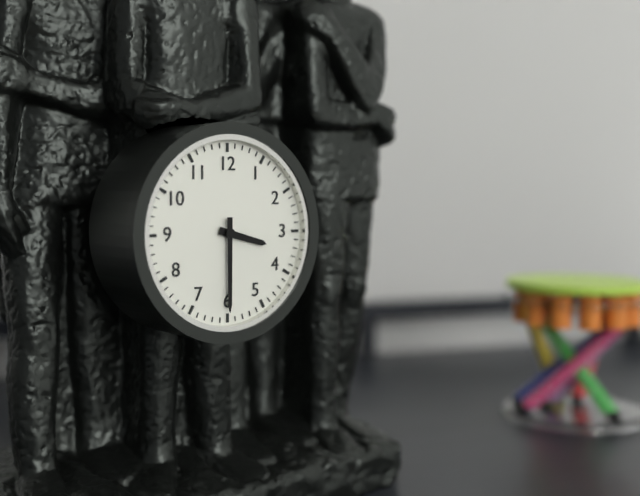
3:30
